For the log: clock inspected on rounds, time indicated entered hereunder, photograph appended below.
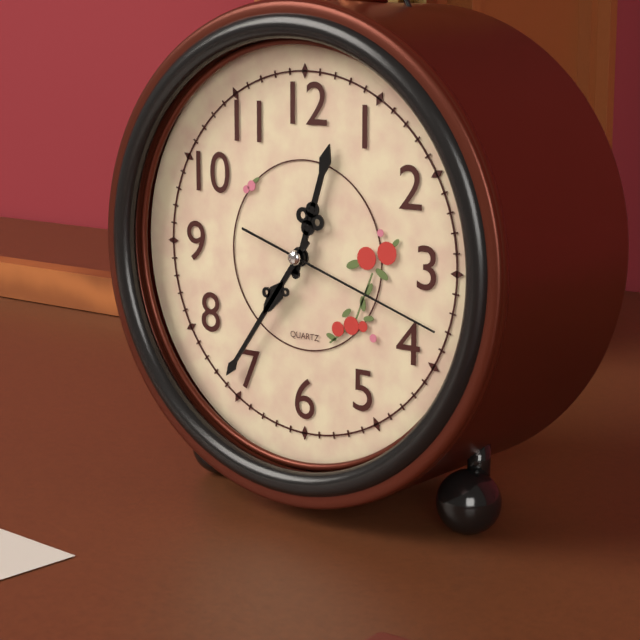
12:36:18
